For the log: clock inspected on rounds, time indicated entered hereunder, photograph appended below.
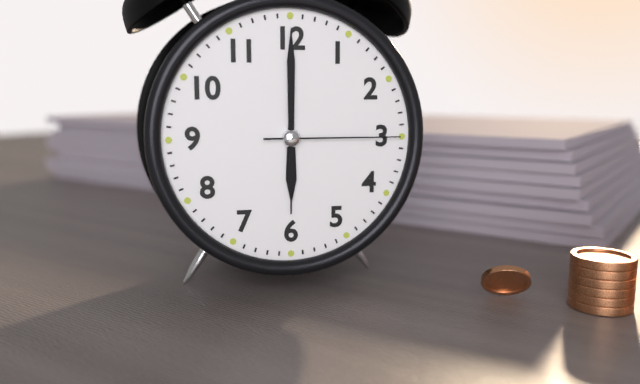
6:00:15
